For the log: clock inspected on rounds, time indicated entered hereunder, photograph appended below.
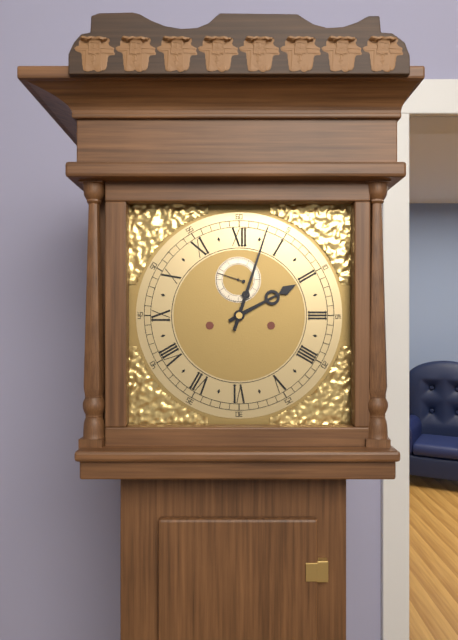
2:03
